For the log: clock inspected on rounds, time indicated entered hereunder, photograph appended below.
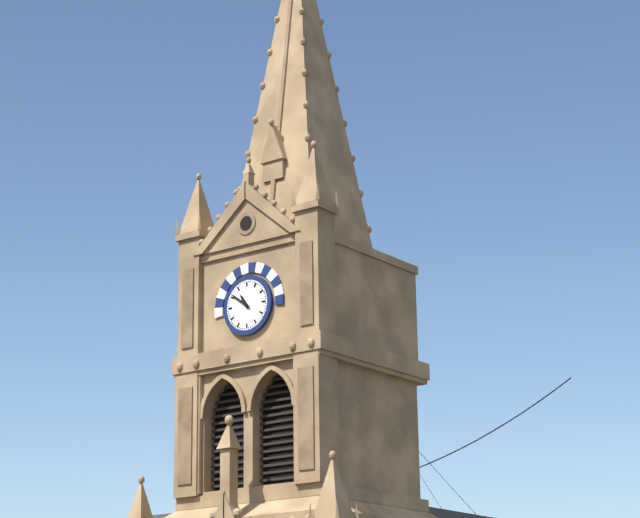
10:51
